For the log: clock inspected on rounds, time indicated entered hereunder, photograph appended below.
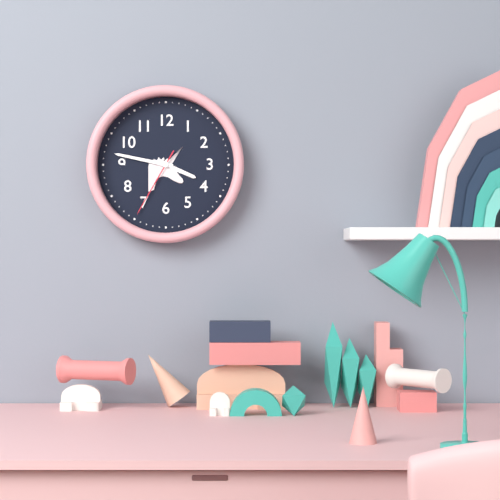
3:47:35
